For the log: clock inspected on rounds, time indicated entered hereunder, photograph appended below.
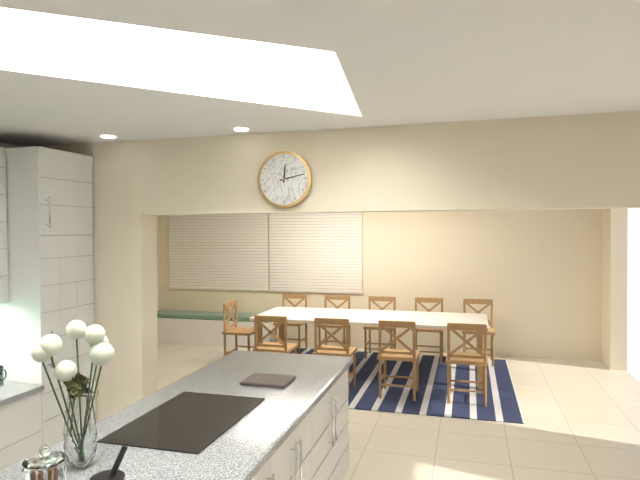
12:13
